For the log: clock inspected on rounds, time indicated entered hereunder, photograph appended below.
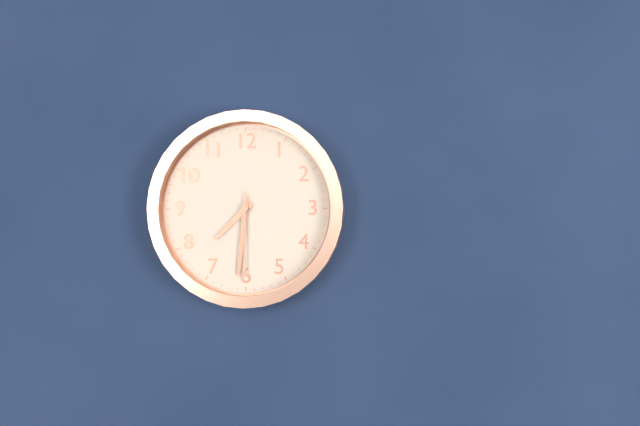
7:31:30
